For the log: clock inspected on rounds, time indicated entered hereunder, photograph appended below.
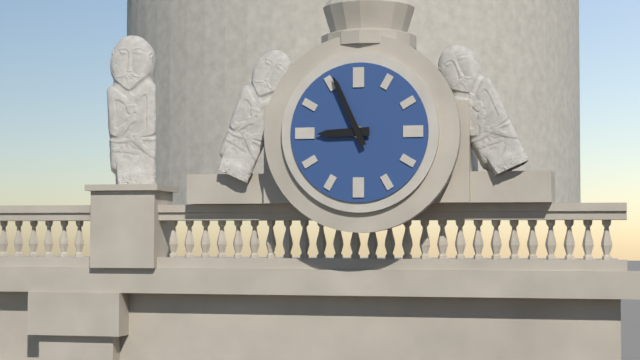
8:56
